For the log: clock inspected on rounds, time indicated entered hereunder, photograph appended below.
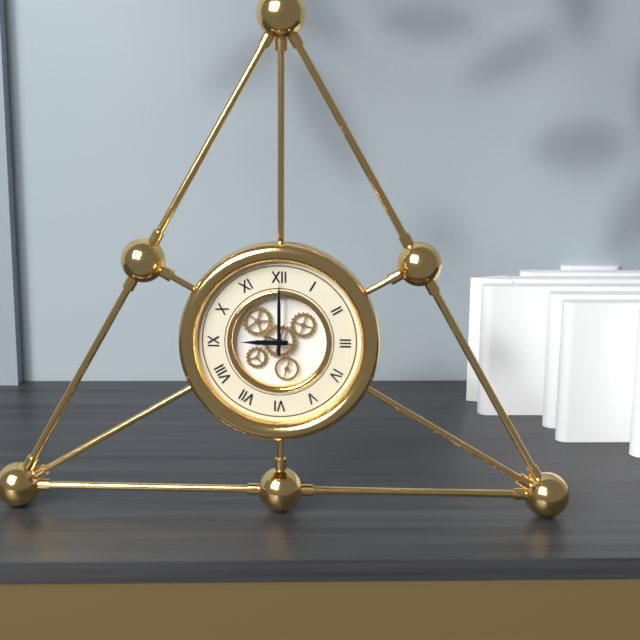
9:00
